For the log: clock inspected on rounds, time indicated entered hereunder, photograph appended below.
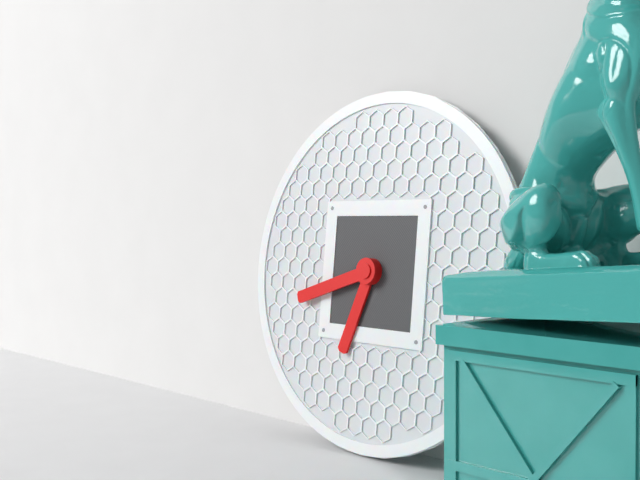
6:42
